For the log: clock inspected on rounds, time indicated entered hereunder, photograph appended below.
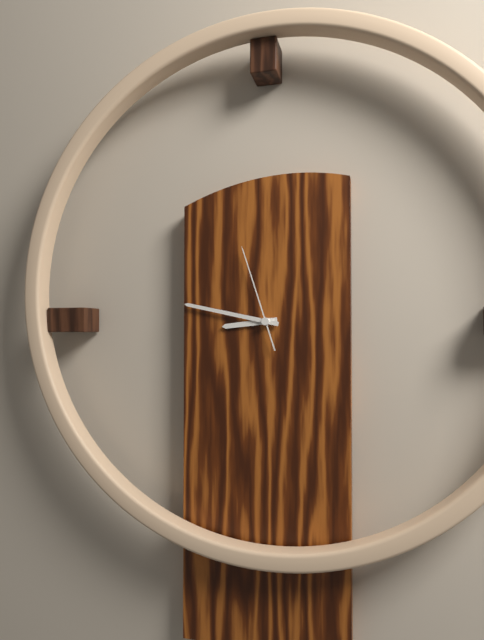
8:47:57
